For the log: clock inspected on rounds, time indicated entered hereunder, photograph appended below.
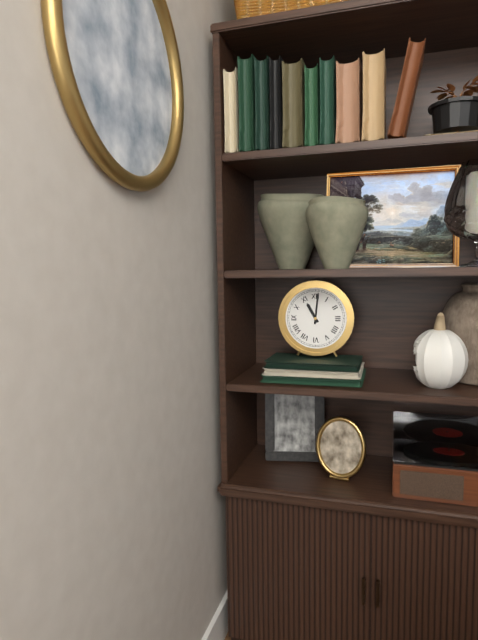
11:01
